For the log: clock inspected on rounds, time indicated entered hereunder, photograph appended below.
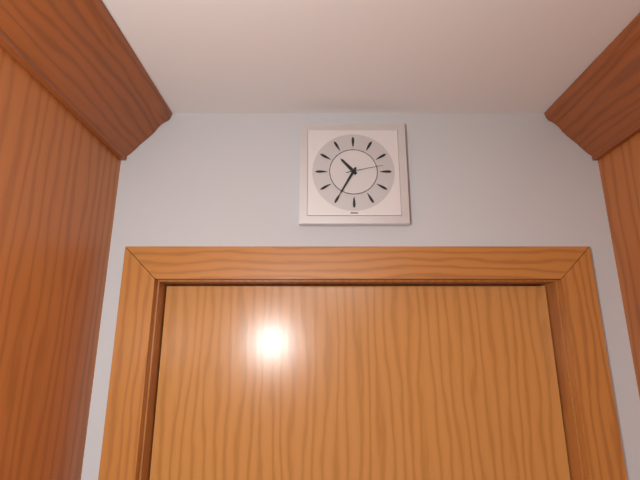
10:35
